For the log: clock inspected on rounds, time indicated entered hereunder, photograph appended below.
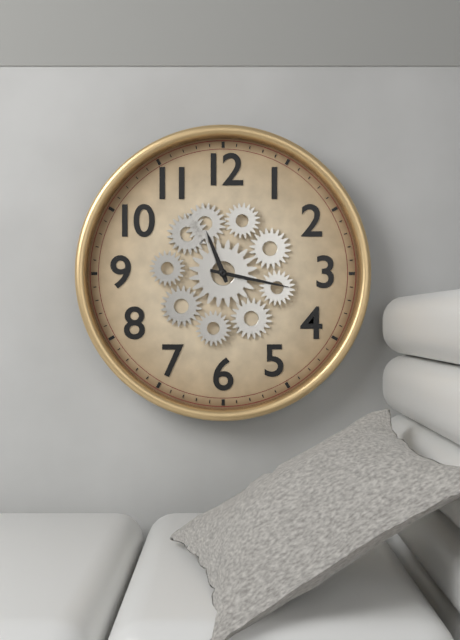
11:17
